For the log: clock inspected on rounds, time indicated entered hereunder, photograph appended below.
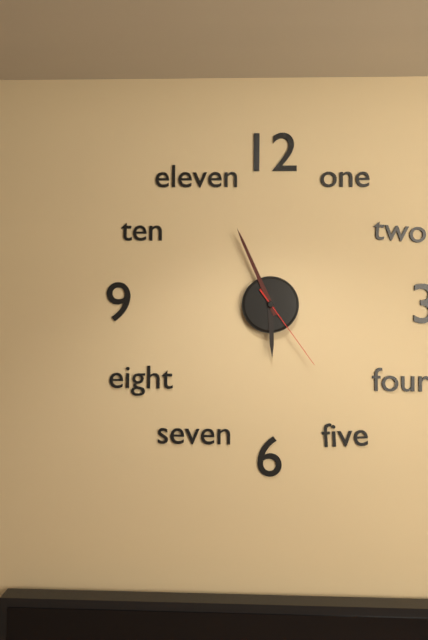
5:56:24
